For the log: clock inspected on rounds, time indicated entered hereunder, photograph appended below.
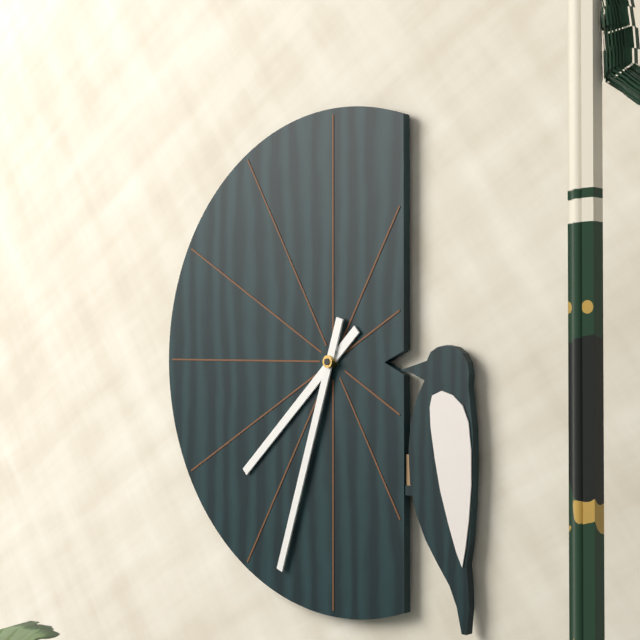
7:33
